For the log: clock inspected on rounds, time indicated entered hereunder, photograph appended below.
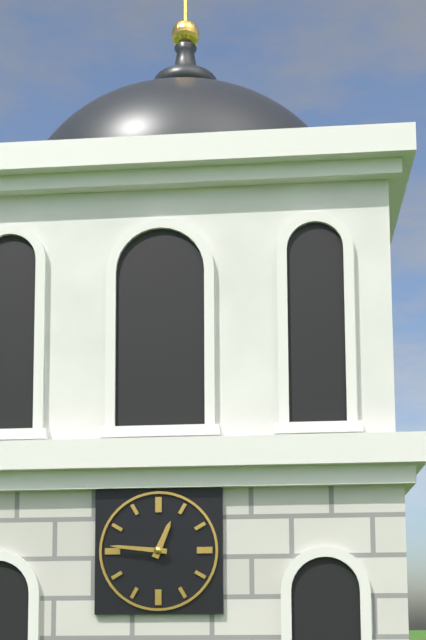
12:46
